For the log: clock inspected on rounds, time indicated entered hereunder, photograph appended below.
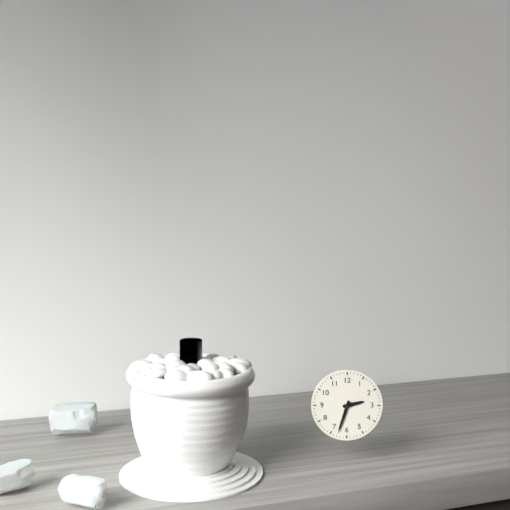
2:33
